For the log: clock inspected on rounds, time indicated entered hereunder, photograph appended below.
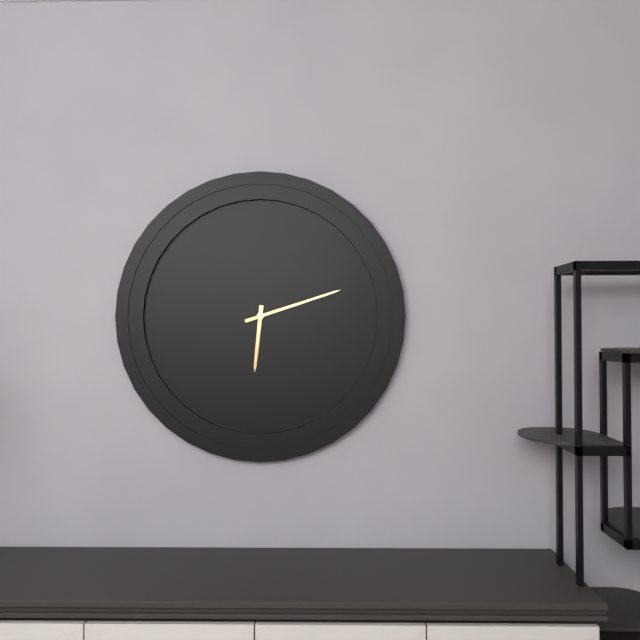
6:12
